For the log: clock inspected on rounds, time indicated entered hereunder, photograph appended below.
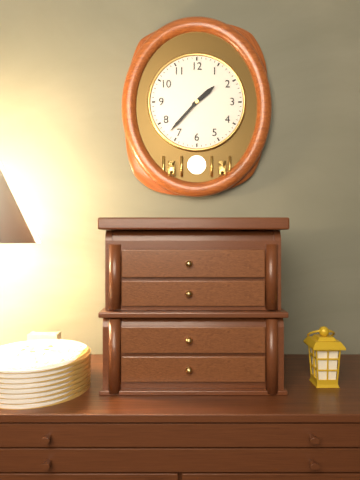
1:37
